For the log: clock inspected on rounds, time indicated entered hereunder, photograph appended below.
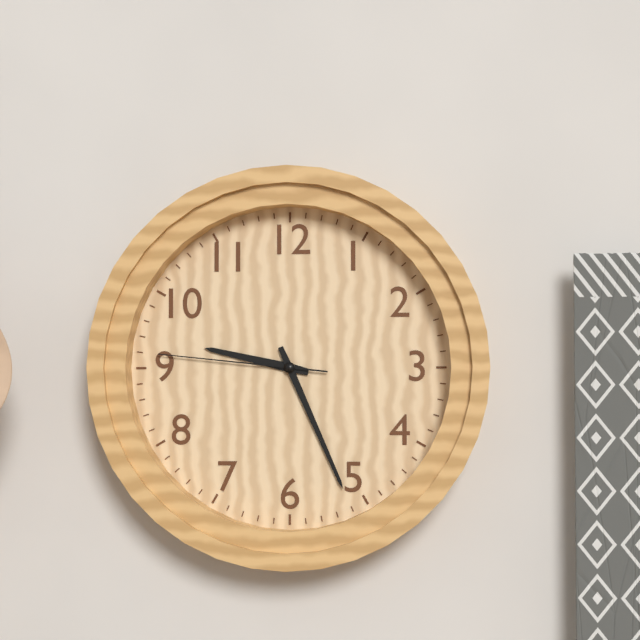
9:26:46
